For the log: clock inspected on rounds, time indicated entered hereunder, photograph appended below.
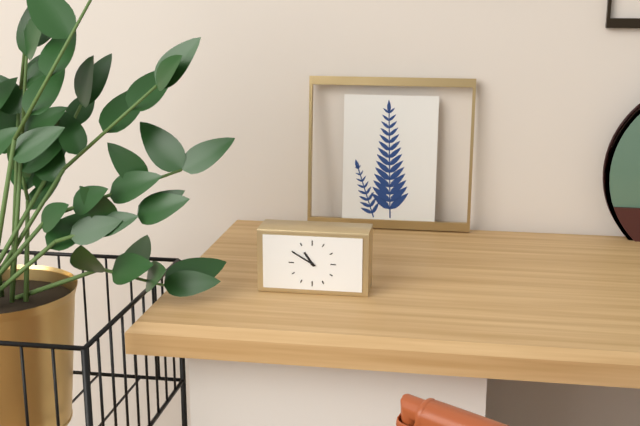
10:50
